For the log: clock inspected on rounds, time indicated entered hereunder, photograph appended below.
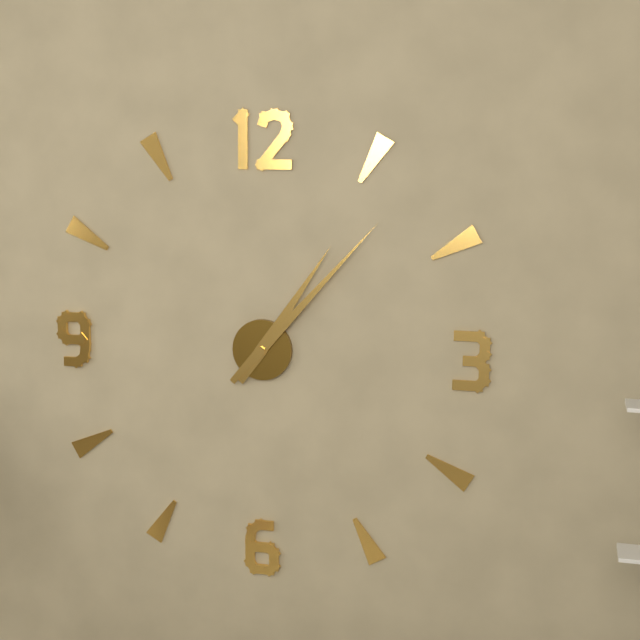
1:07
